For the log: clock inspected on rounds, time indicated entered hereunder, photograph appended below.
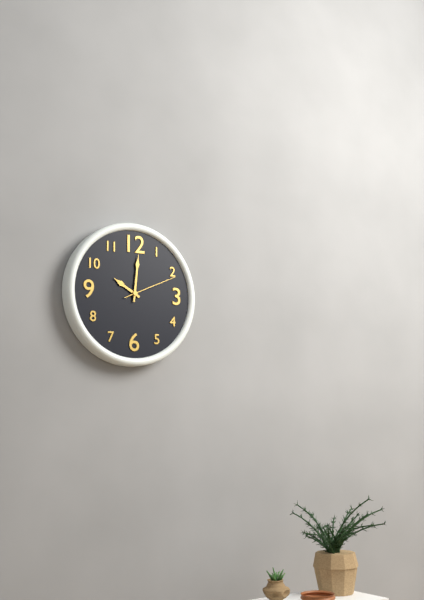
10:01:11
